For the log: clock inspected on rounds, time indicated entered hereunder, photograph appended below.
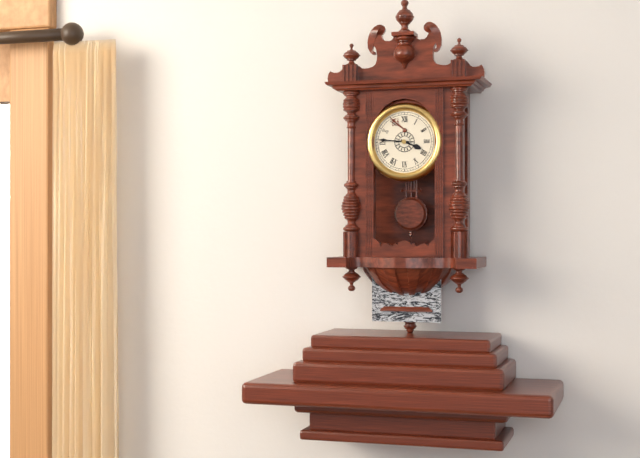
3:46
